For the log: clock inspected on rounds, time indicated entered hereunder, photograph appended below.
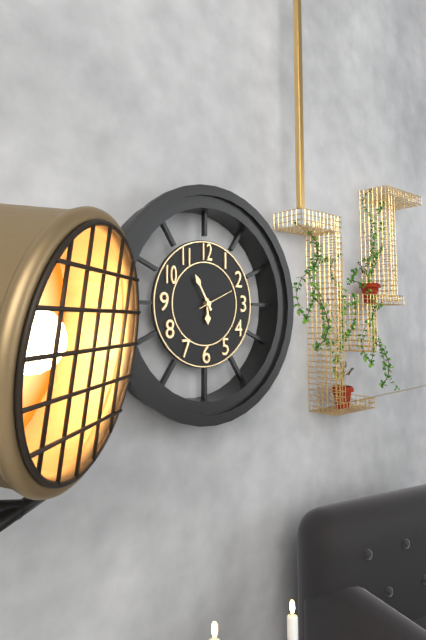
5:55
